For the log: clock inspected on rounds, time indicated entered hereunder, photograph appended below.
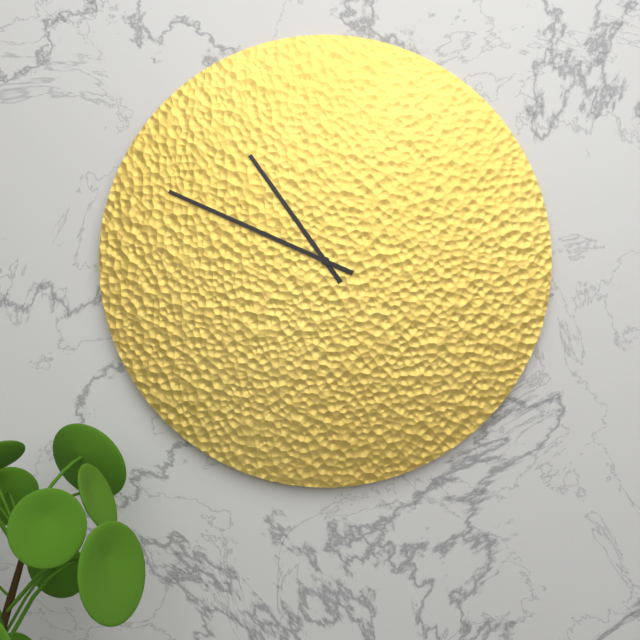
10:49
